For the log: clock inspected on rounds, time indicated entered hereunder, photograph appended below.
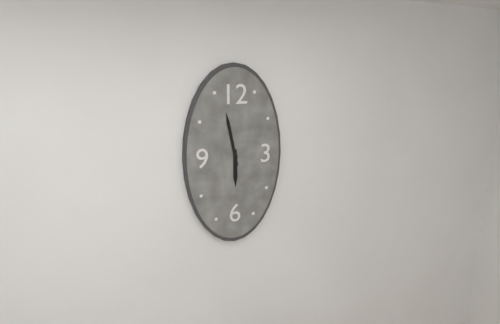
5:58
